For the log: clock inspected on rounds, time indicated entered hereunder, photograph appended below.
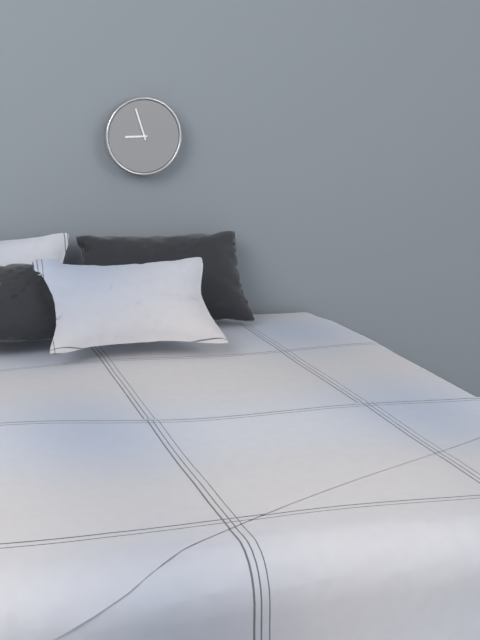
8:57
